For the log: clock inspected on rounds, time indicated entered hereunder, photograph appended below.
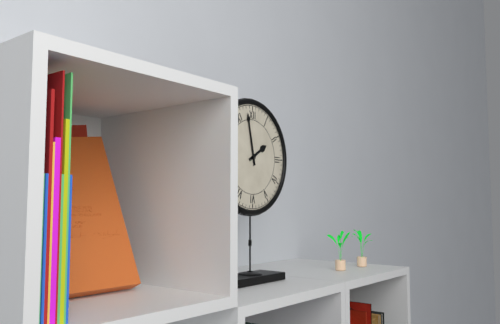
1:58
